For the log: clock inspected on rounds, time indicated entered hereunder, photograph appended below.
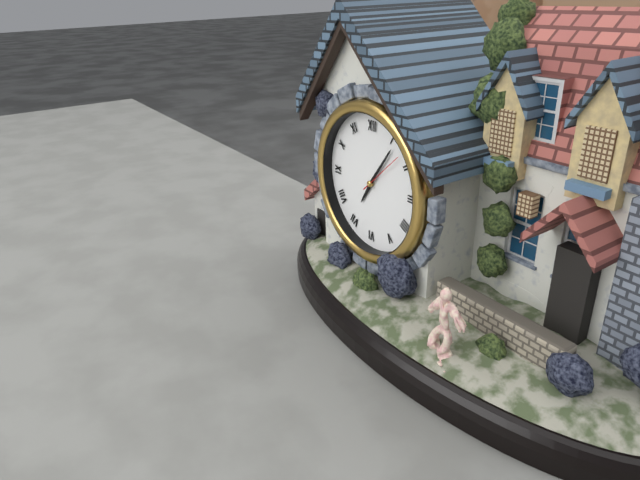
7:06
